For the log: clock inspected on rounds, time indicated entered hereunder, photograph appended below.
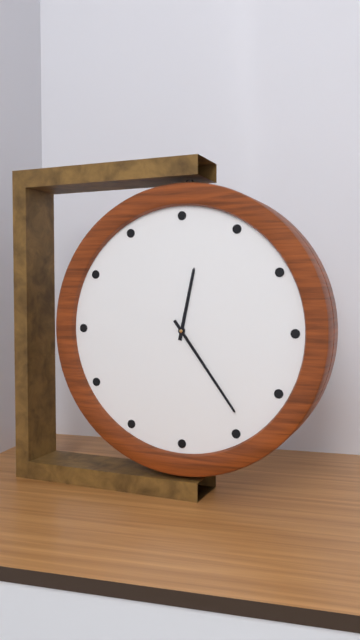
12:24
